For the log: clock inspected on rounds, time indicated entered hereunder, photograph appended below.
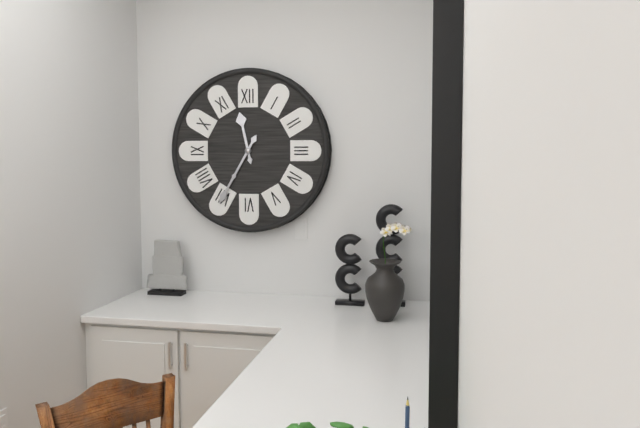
11:35
